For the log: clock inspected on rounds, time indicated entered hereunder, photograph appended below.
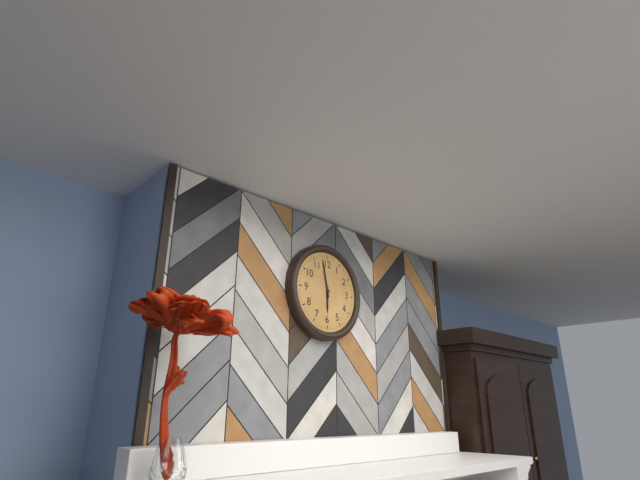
5:58
